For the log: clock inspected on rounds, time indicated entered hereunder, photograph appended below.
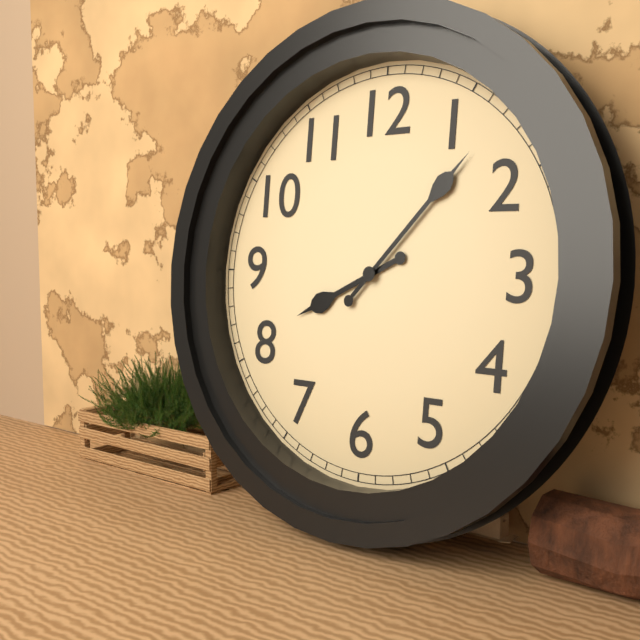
8:07
